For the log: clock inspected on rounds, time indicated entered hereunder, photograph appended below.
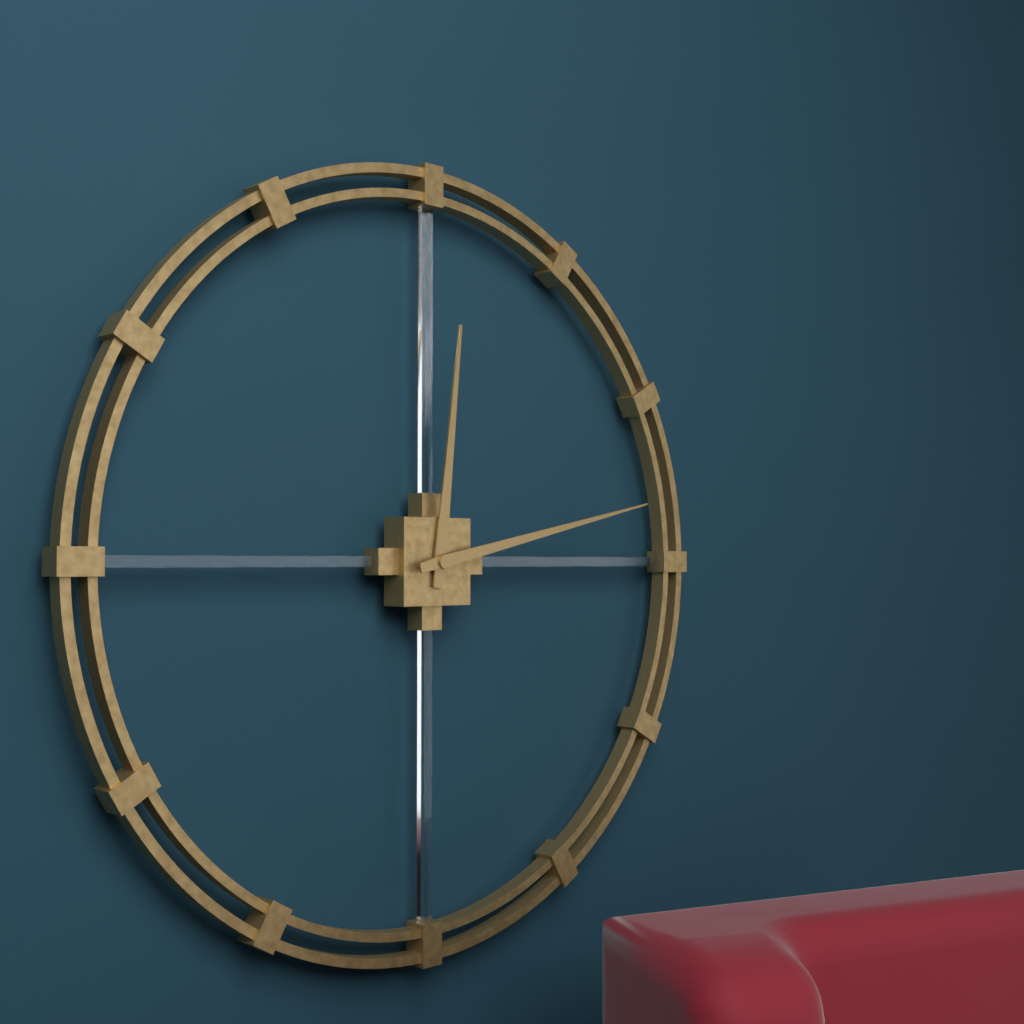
12:13
